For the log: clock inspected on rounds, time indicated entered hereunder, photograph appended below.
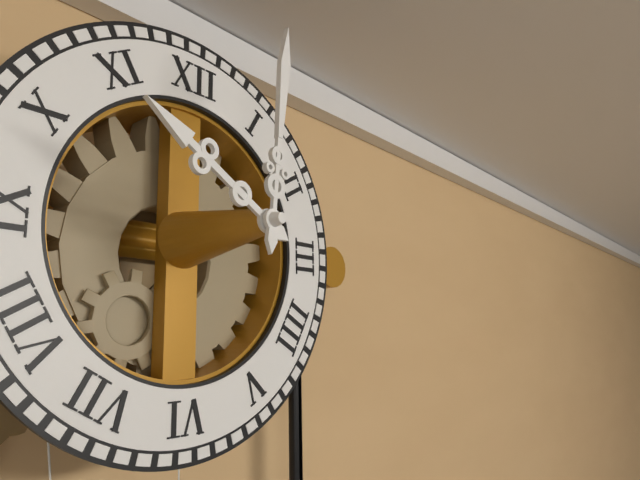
10:01
